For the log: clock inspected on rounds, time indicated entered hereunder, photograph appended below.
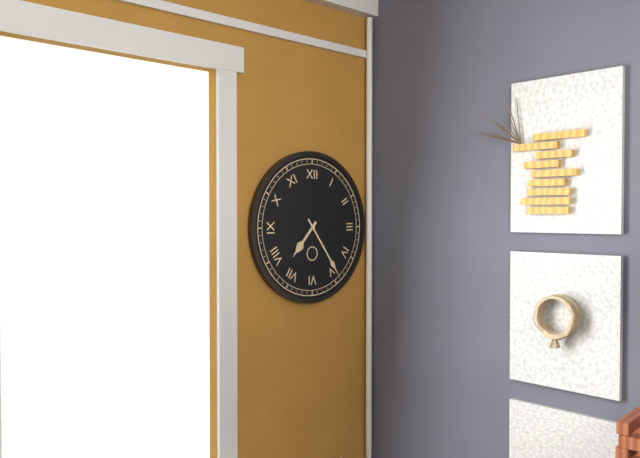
7:24
